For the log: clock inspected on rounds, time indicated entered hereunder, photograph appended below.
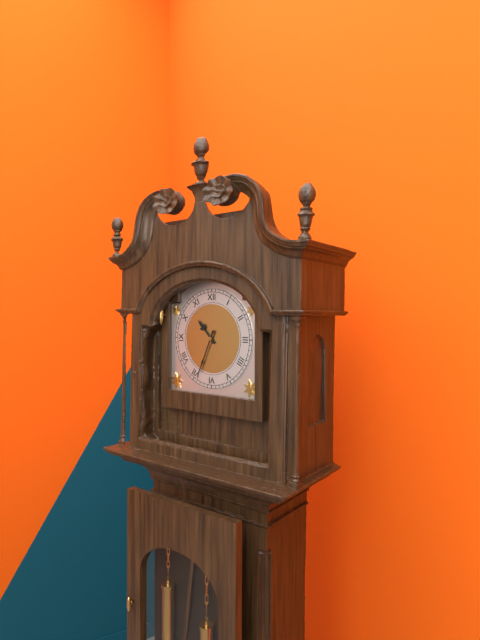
10:34
